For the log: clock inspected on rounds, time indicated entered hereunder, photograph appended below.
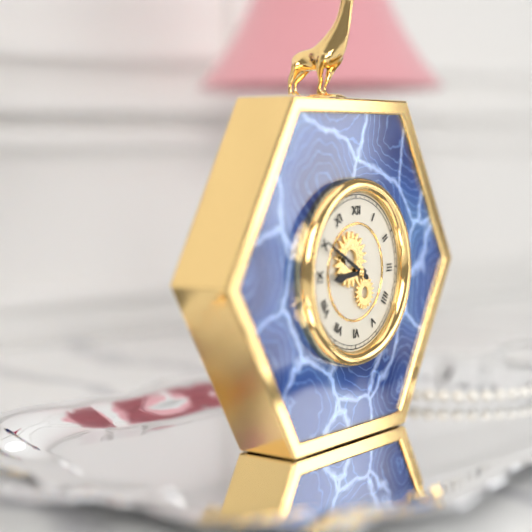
8:50
